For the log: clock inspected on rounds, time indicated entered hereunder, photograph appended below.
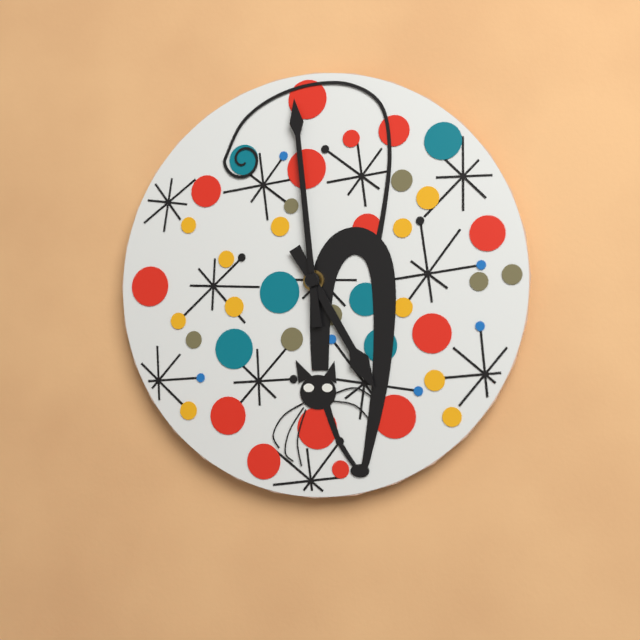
4:59
